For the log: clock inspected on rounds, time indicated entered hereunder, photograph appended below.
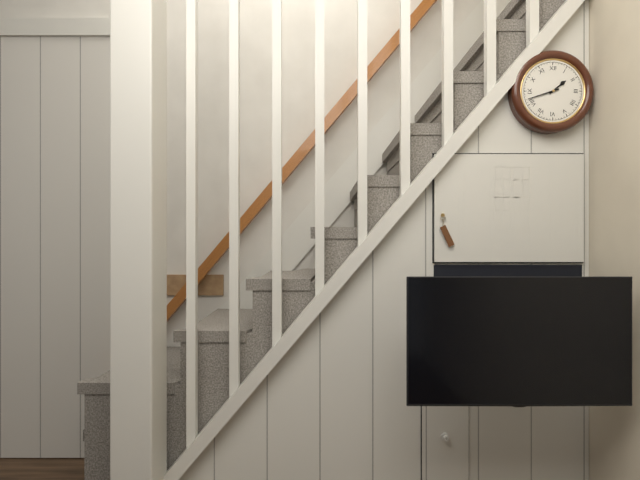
1:42
